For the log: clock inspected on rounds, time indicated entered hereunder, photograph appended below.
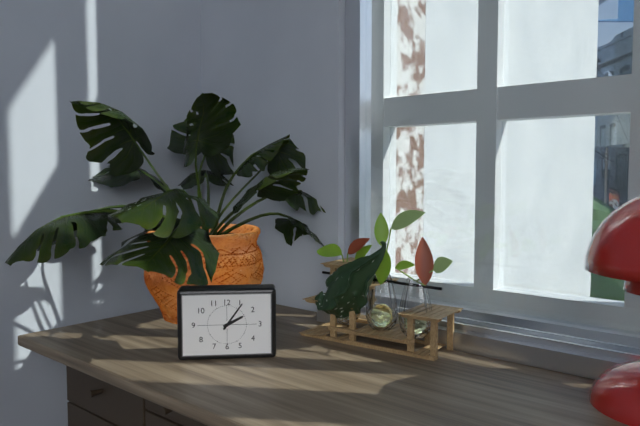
2:06
